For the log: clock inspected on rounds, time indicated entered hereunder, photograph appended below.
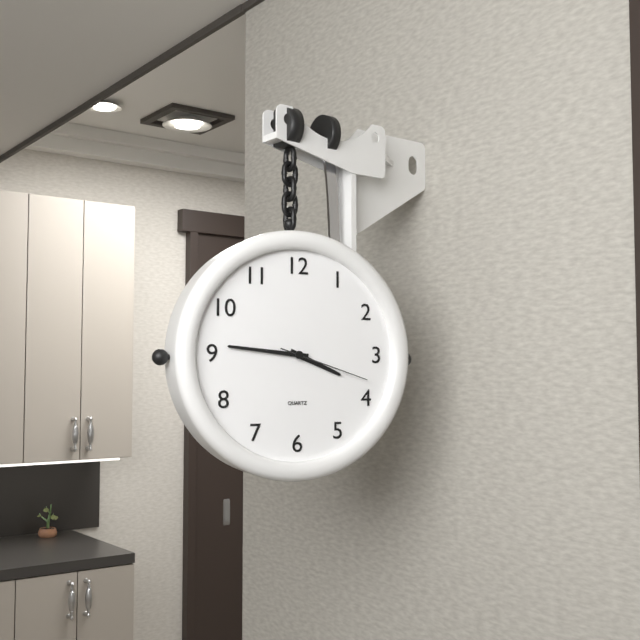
3:46:18
